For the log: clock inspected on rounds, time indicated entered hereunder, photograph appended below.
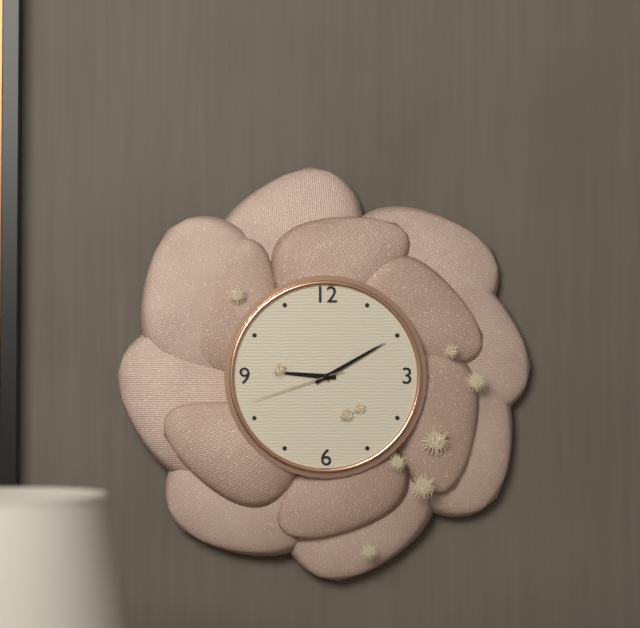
9:10:42
